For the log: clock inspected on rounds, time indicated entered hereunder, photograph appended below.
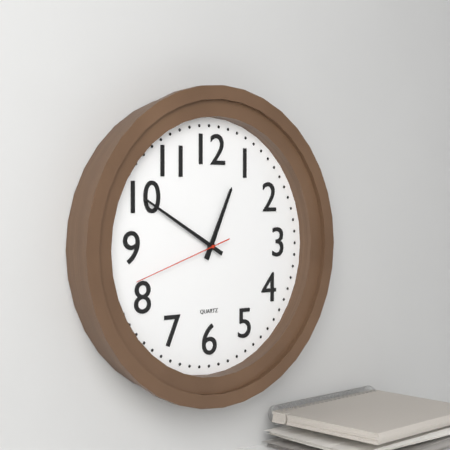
12:50:42
